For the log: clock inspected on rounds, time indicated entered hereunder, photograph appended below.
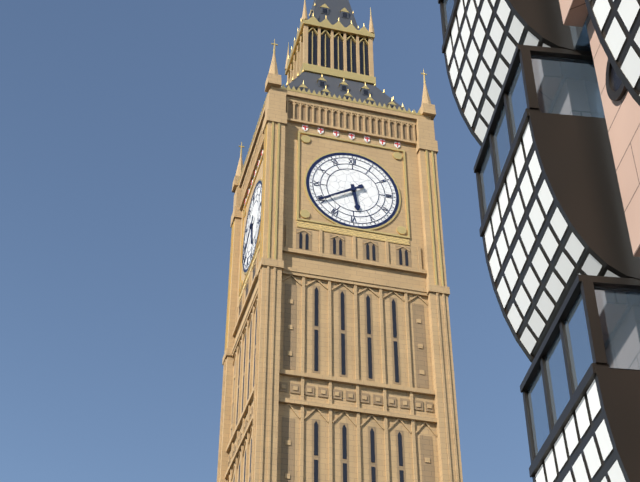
5:40
